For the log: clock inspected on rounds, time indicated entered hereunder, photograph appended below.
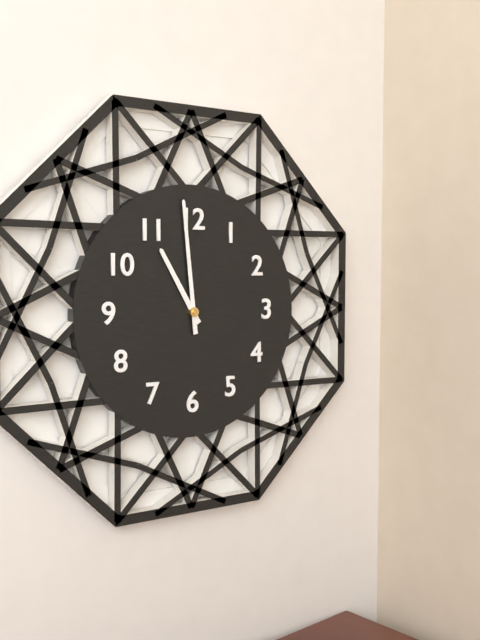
10:59
